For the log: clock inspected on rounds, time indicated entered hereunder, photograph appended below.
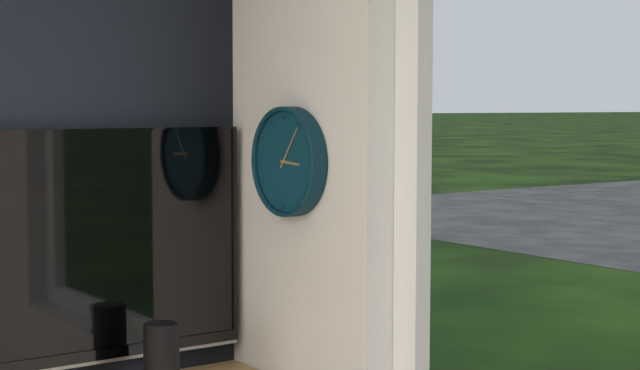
3:06
